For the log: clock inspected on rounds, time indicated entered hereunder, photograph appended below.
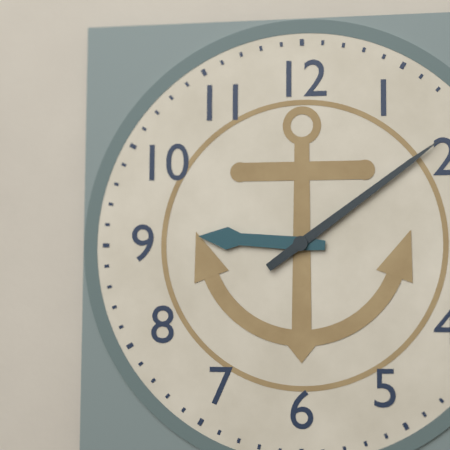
9:09
